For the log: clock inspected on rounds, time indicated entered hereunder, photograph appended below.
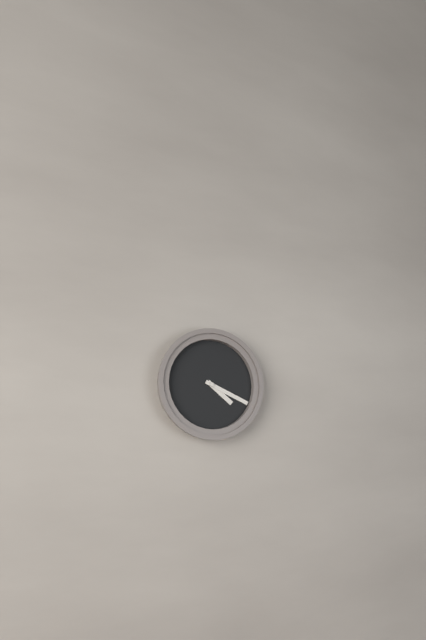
4:19
